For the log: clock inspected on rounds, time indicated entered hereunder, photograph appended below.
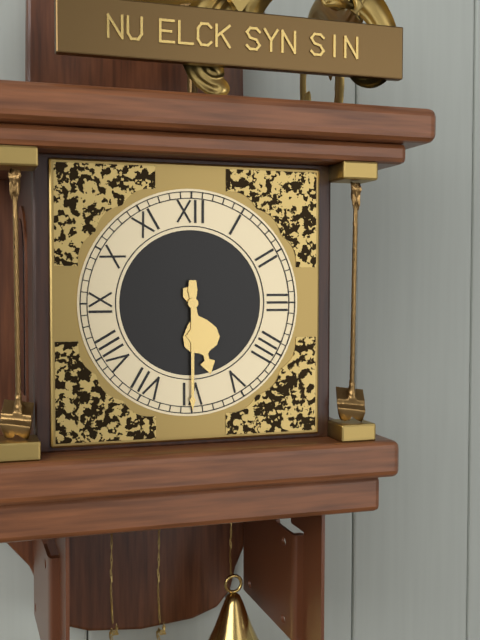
5:30
